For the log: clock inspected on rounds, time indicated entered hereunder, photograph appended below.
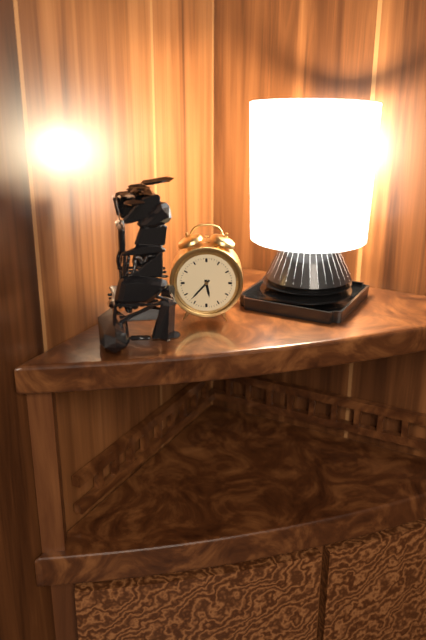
5:37
